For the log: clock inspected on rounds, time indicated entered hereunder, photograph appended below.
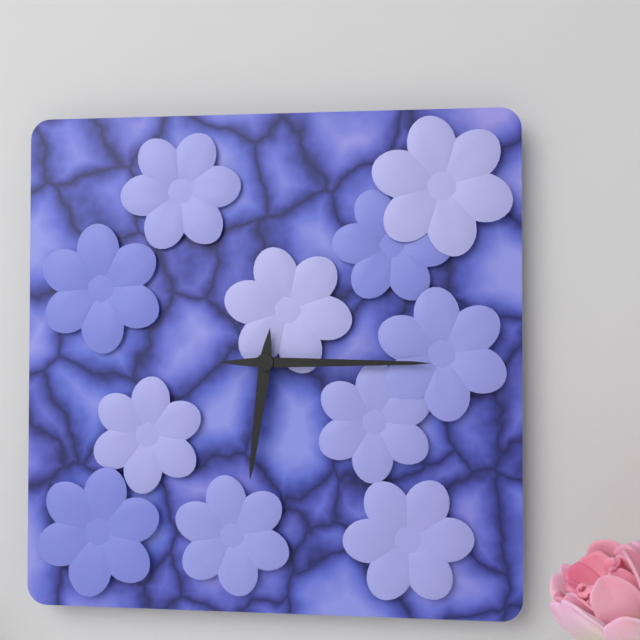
6:15
